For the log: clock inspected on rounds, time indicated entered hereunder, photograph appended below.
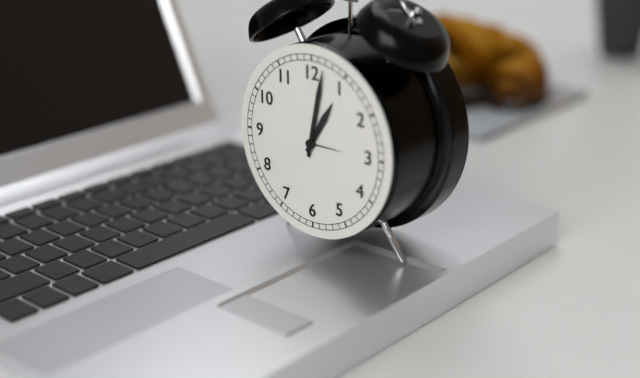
1:02
